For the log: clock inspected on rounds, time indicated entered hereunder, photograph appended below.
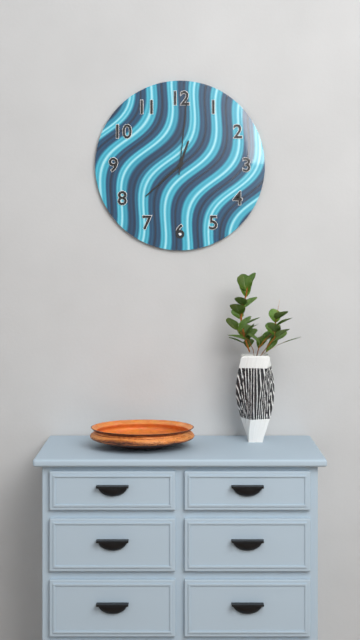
12:38:01
